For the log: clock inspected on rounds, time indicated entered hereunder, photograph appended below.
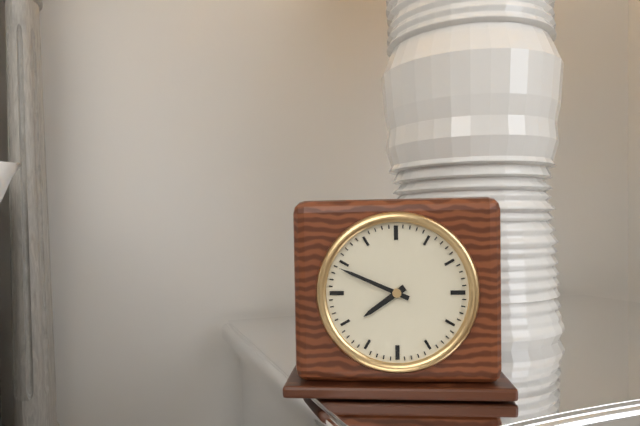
7:49
